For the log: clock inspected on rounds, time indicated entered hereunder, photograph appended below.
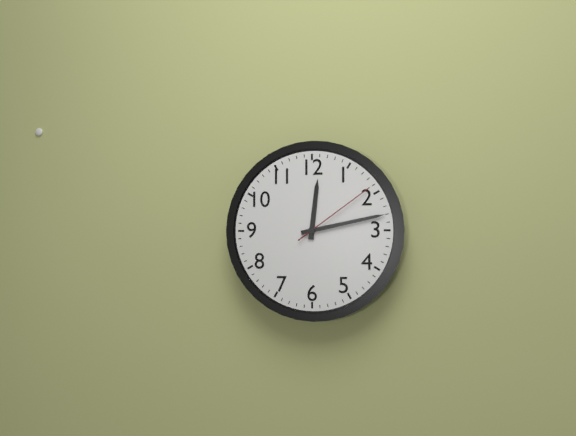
12:13:09
